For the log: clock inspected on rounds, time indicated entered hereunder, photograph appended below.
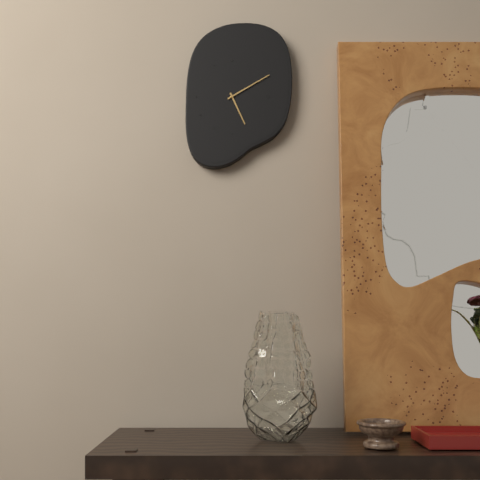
5:10
